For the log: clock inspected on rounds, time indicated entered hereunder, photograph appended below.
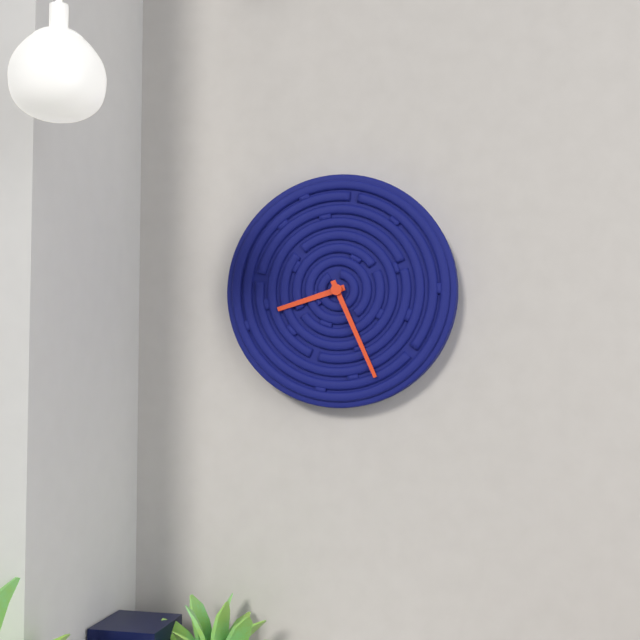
8:26
